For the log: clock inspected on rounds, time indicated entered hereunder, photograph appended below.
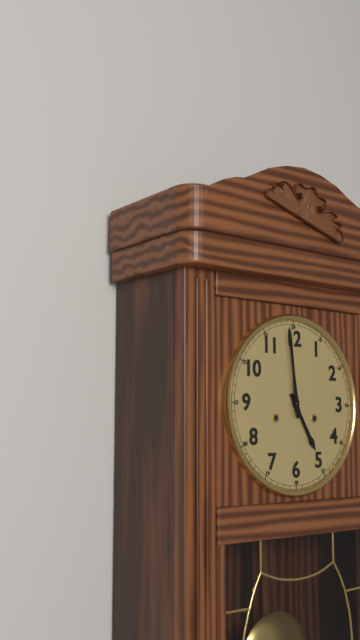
4:59
